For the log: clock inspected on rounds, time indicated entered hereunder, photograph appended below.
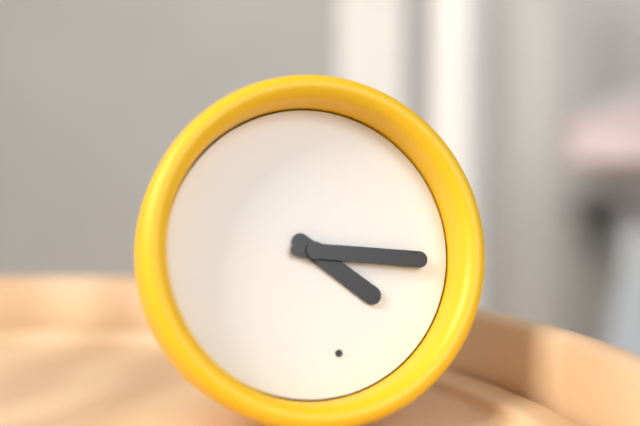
4:16
